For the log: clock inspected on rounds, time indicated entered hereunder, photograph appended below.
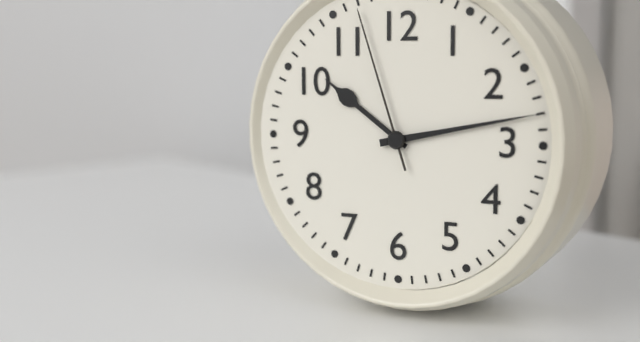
10:13:57
